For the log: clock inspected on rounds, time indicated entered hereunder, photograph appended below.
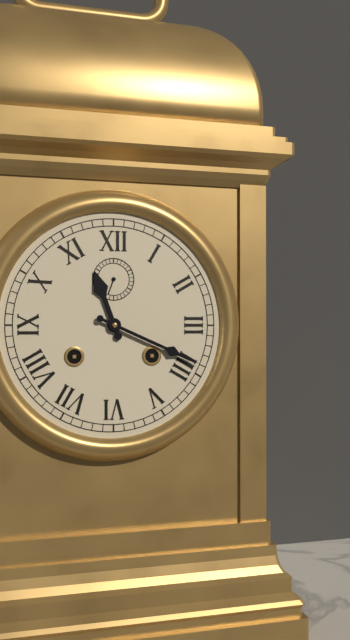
11:19
